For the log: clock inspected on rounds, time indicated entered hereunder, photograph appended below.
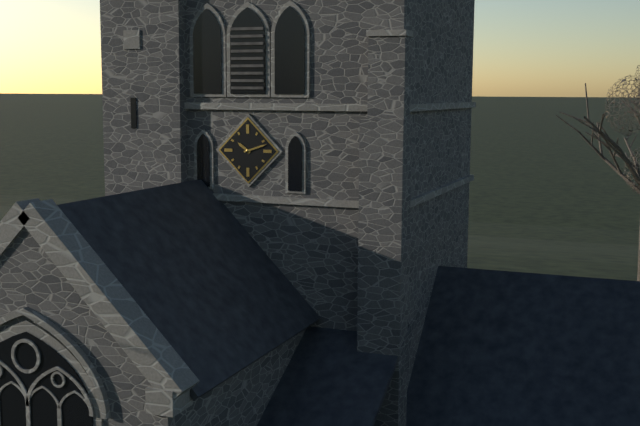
10:12
